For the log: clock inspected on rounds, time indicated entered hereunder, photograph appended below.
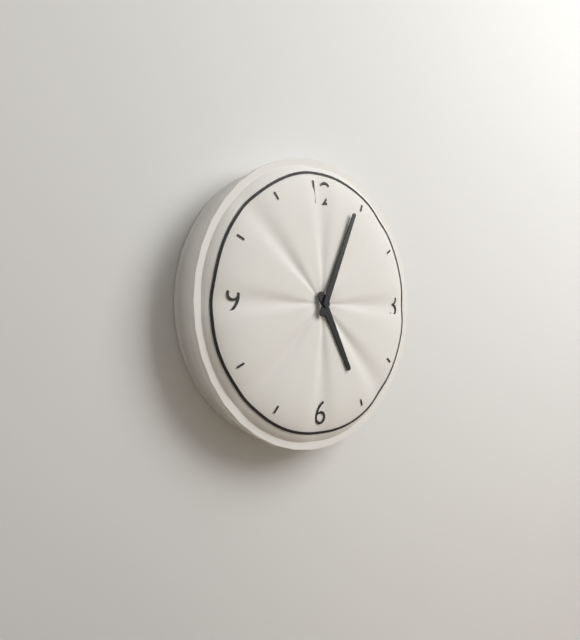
5:04
